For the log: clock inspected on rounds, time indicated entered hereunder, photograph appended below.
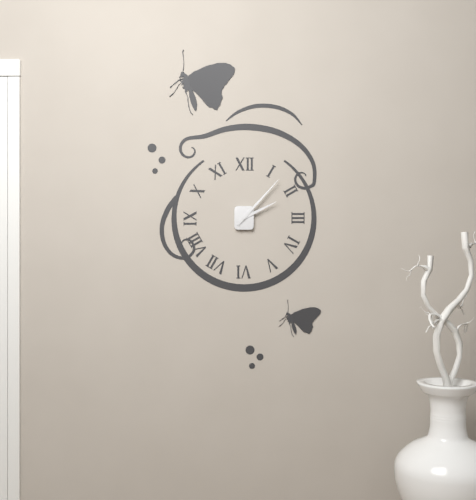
2:07
